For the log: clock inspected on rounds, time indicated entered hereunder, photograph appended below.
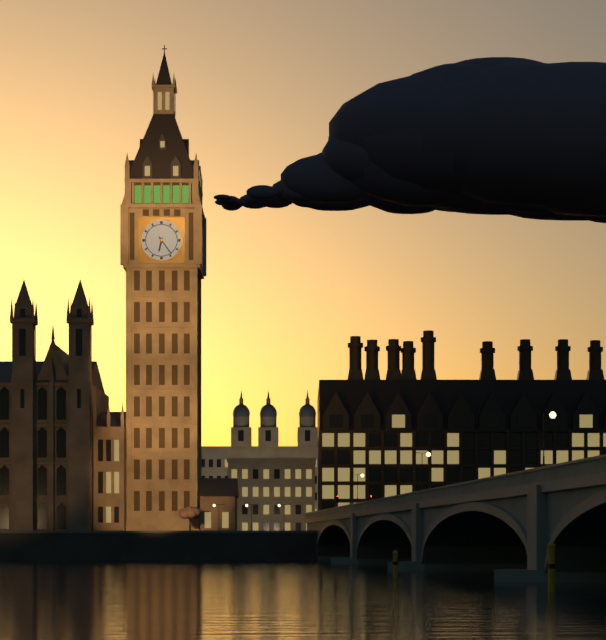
6:24
